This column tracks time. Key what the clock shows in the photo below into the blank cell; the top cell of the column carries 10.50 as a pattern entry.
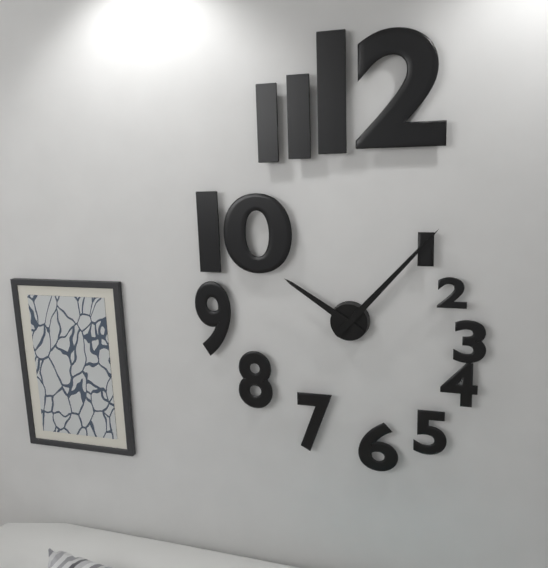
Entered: 10.07
